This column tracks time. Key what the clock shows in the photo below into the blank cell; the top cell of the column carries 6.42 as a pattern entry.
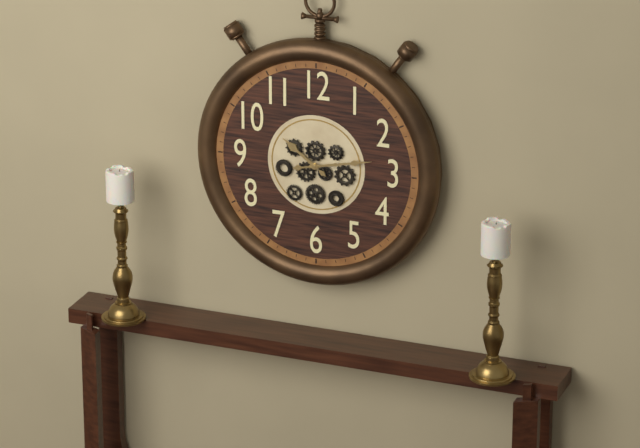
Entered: 10.13
